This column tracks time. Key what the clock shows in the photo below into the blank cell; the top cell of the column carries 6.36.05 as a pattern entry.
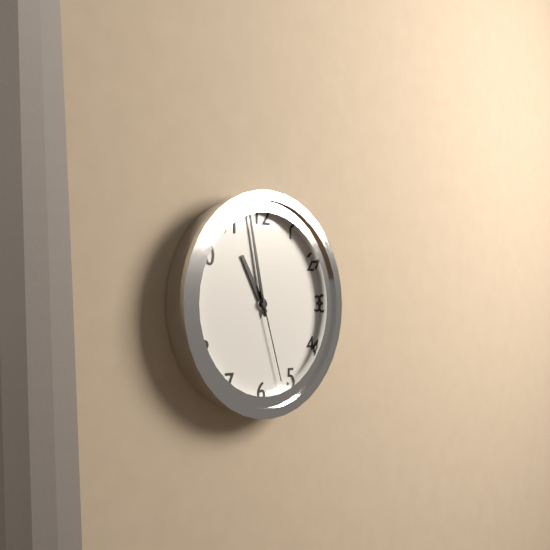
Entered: 10.58.27
